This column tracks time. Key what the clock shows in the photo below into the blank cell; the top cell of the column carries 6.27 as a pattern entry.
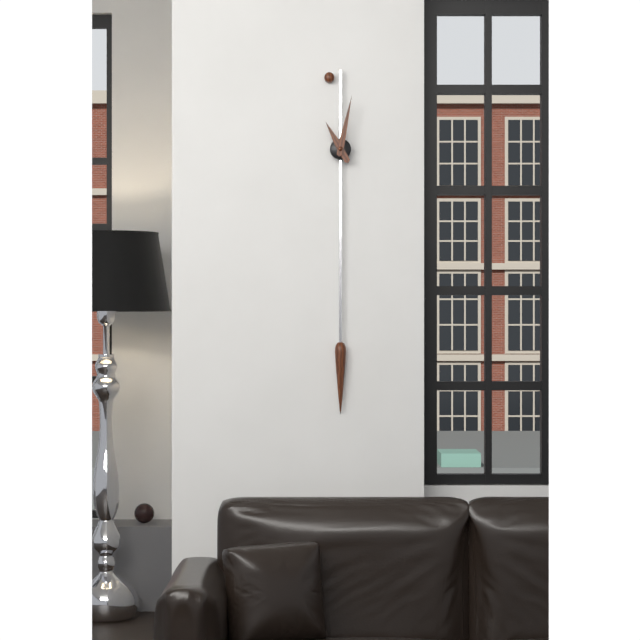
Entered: 11.02
